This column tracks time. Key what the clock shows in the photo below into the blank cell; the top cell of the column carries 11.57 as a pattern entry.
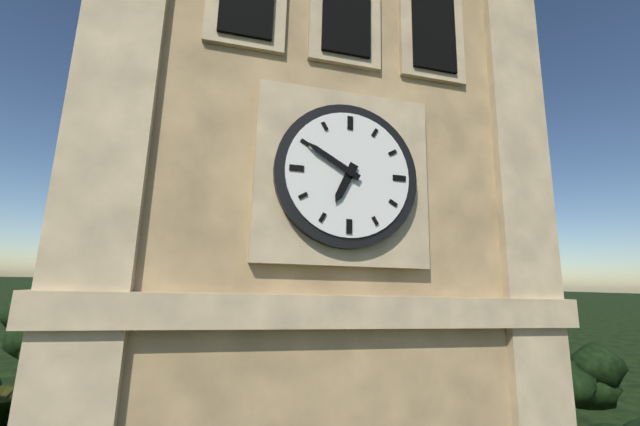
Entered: 6.50
